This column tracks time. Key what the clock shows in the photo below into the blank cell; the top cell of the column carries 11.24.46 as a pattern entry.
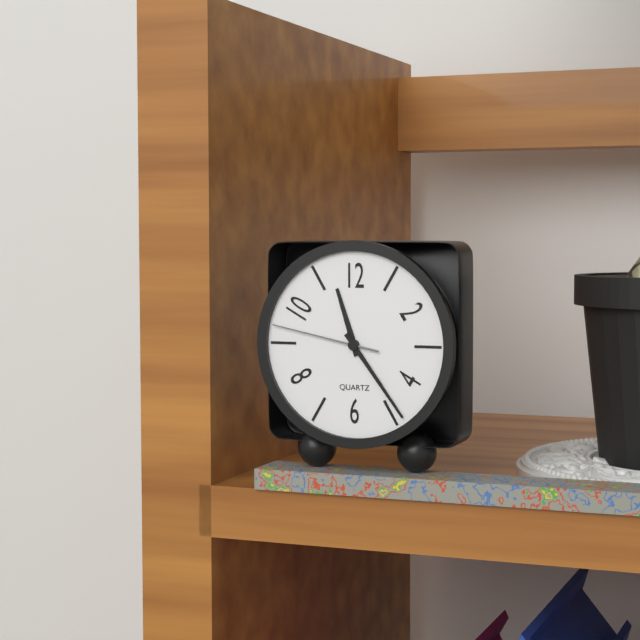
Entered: 11.24.47
